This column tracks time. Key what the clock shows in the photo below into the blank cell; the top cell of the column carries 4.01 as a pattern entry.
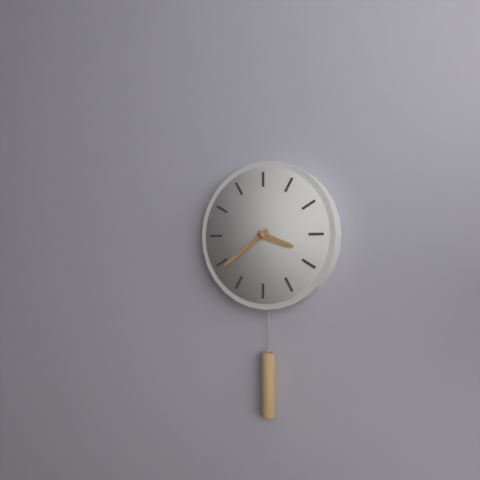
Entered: 3.39
